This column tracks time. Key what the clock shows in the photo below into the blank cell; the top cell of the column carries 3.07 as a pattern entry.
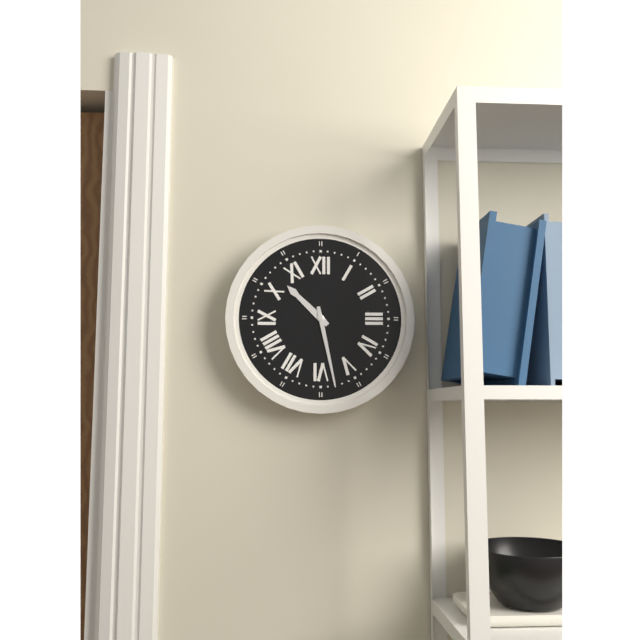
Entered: 10.28
